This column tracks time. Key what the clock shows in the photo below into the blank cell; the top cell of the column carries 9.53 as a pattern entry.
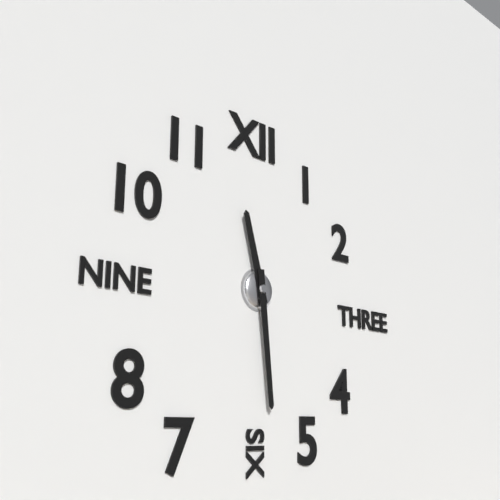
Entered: 11.29
